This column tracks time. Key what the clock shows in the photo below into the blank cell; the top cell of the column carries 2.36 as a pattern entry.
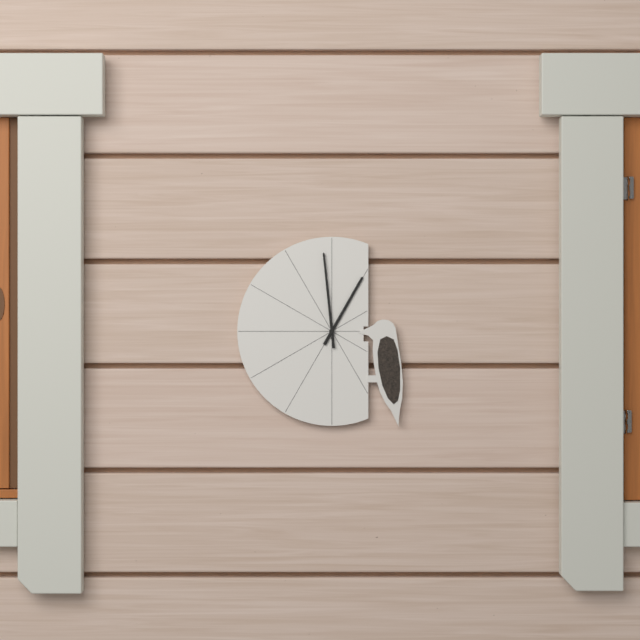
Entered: 12.59
